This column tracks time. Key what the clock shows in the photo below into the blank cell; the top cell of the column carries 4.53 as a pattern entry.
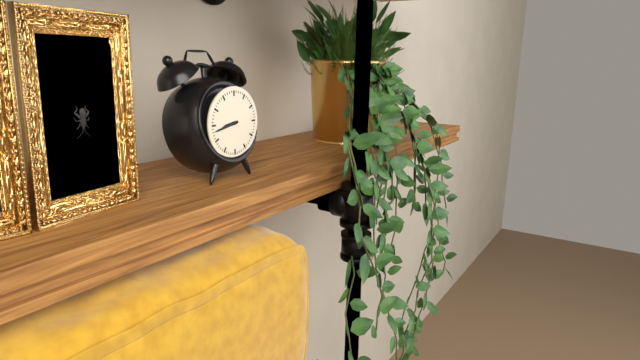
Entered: 8.43
